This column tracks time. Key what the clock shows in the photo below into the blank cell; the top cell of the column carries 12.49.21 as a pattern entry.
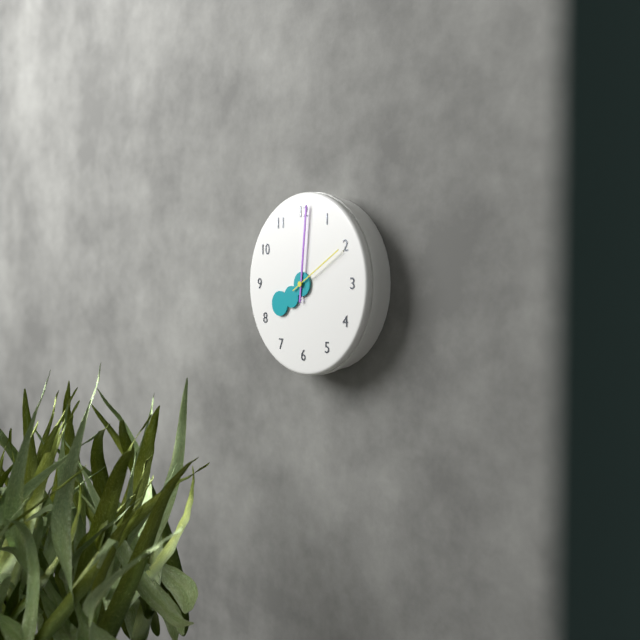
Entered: 8.01.10
